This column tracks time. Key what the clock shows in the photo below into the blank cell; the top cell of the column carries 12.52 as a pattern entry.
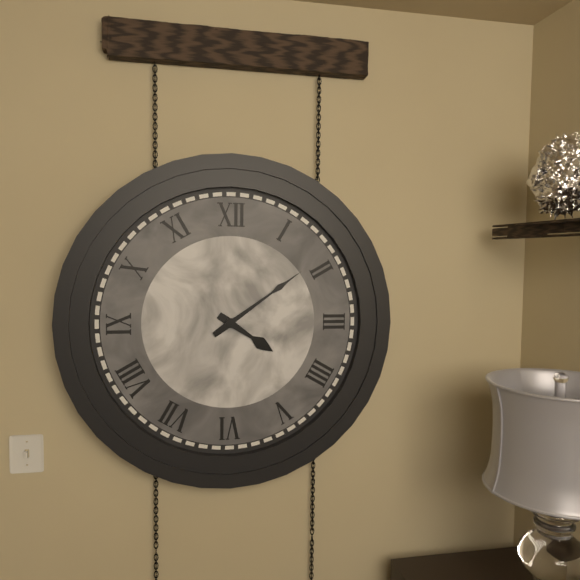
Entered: 4.09
